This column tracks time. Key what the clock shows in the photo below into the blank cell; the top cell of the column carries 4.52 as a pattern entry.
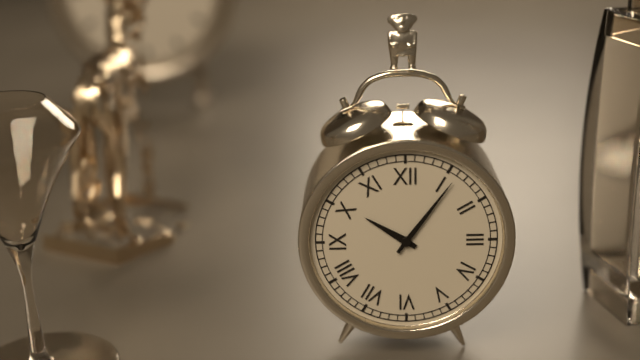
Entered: 10.06
